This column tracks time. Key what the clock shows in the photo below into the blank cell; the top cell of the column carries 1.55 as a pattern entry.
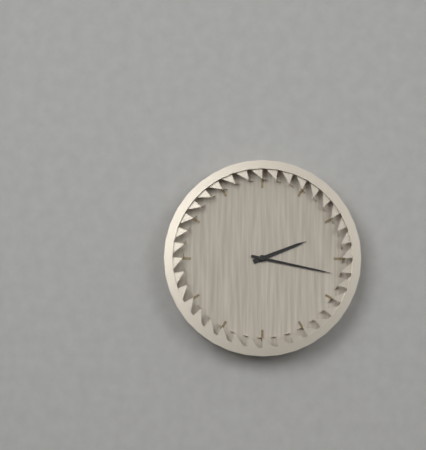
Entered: 2.17
